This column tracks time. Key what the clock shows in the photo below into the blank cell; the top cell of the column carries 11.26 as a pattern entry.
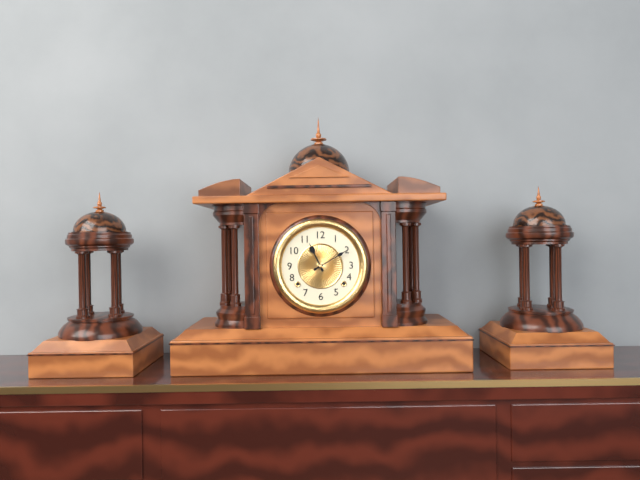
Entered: 11.10
